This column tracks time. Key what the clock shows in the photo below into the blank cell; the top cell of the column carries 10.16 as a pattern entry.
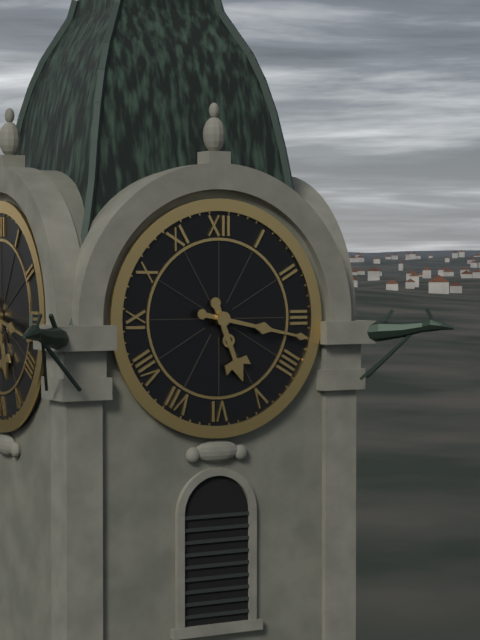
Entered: 5.17
